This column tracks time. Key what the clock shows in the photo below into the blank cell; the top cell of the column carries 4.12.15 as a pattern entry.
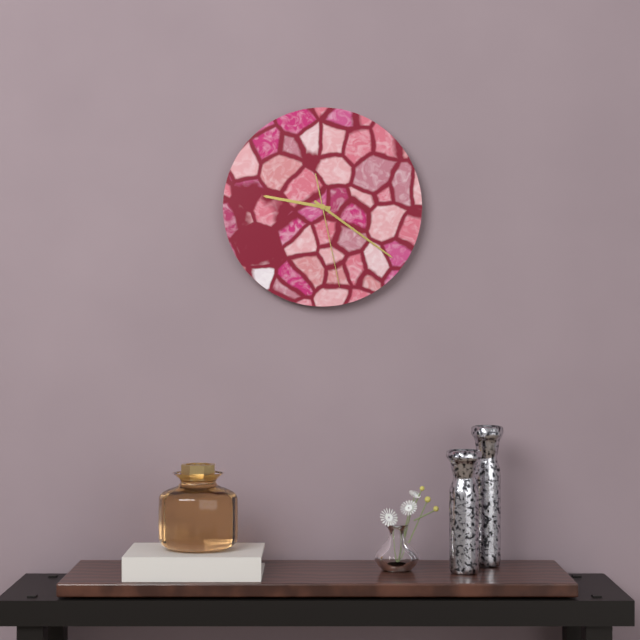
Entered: 9.21.28
